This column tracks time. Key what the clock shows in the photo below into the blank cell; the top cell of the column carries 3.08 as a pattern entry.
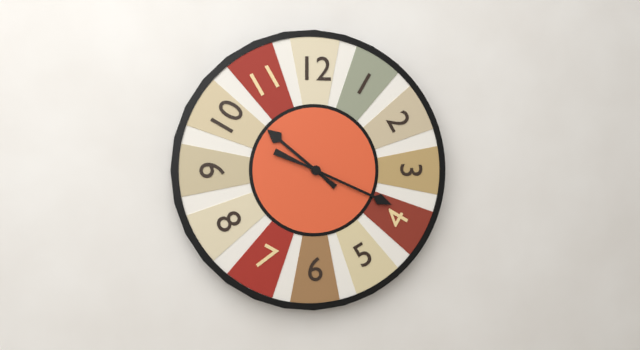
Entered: 10.19
